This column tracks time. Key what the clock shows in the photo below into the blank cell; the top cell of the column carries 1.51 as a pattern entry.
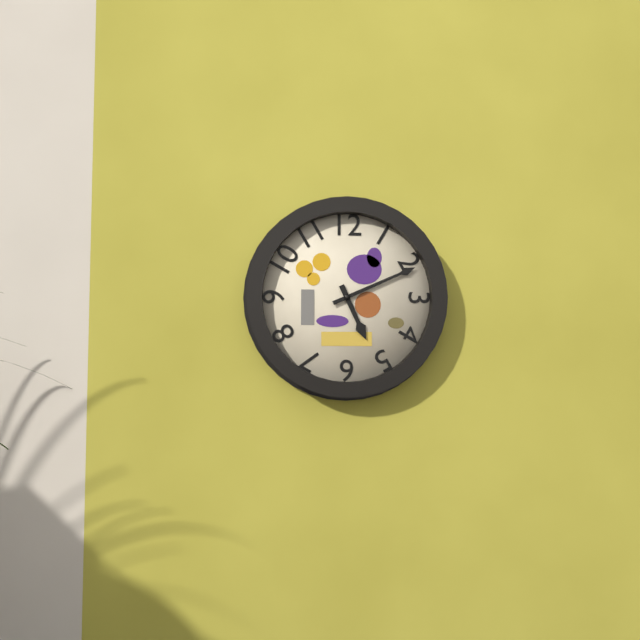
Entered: 5.11
